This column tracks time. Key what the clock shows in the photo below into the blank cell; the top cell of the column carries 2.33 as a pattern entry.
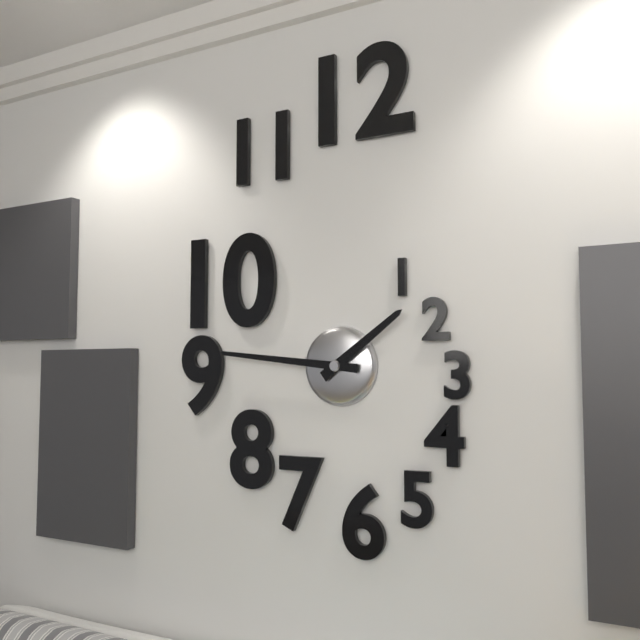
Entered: 1.46
